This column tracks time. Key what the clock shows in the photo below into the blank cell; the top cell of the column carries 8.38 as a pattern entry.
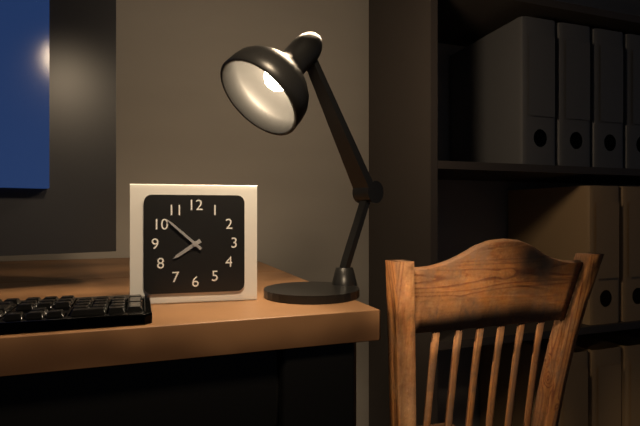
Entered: 7.52
